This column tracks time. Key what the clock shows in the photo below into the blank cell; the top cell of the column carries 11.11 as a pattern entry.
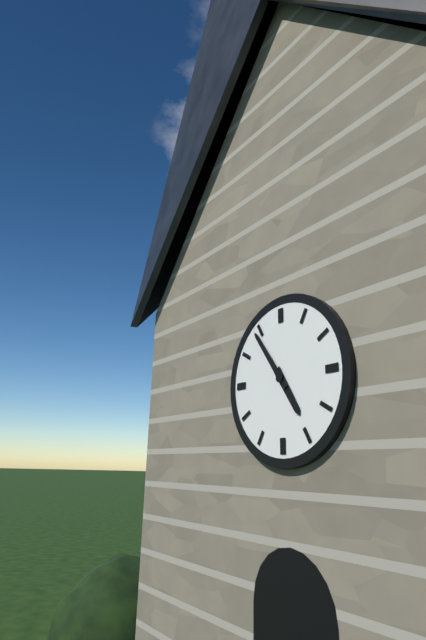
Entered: 4.54
